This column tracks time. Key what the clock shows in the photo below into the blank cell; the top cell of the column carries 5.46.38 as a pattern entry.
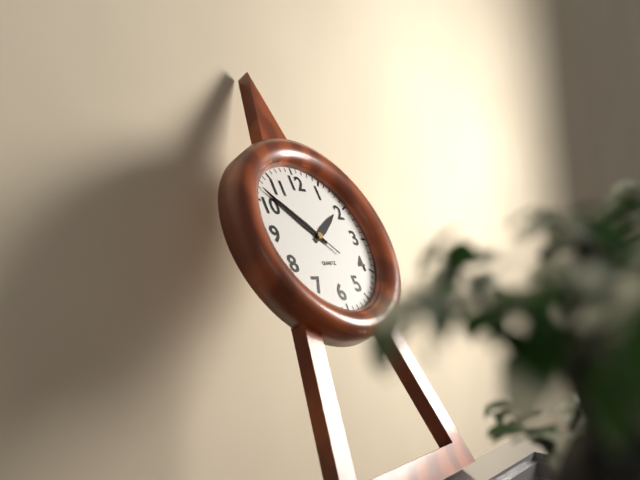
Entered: 1.52.52
